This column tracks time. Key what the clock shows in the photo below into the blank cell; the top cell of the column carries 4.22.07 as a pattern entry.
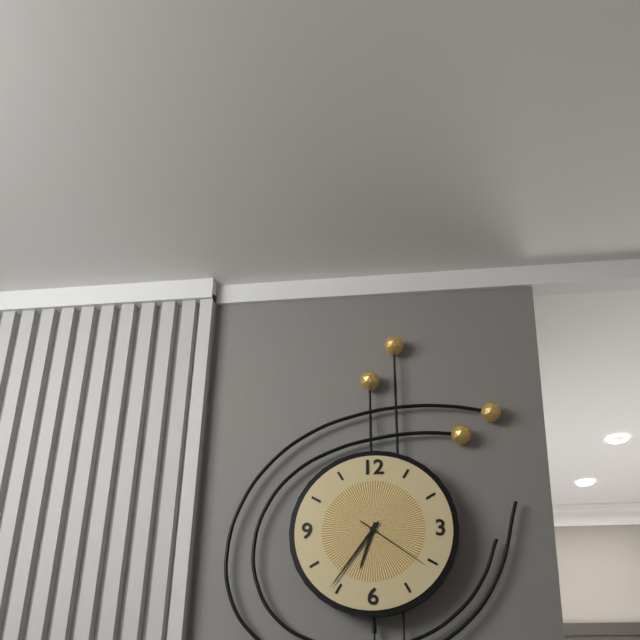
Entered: 6.36.21
